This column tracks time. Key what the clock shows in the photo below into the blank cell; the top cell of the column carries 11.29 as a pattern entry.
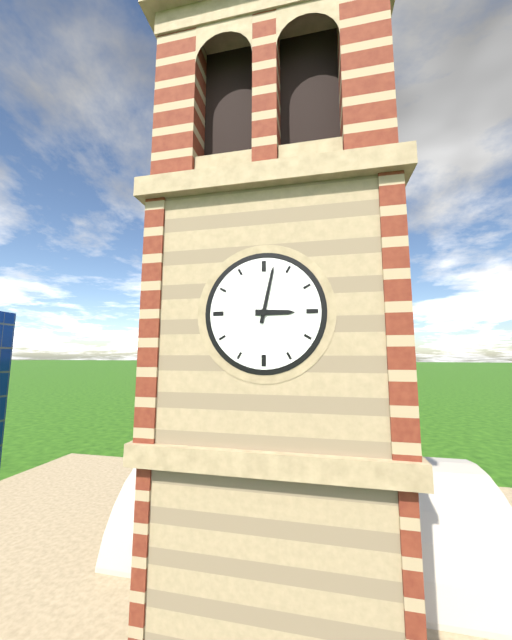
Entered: 3.02
